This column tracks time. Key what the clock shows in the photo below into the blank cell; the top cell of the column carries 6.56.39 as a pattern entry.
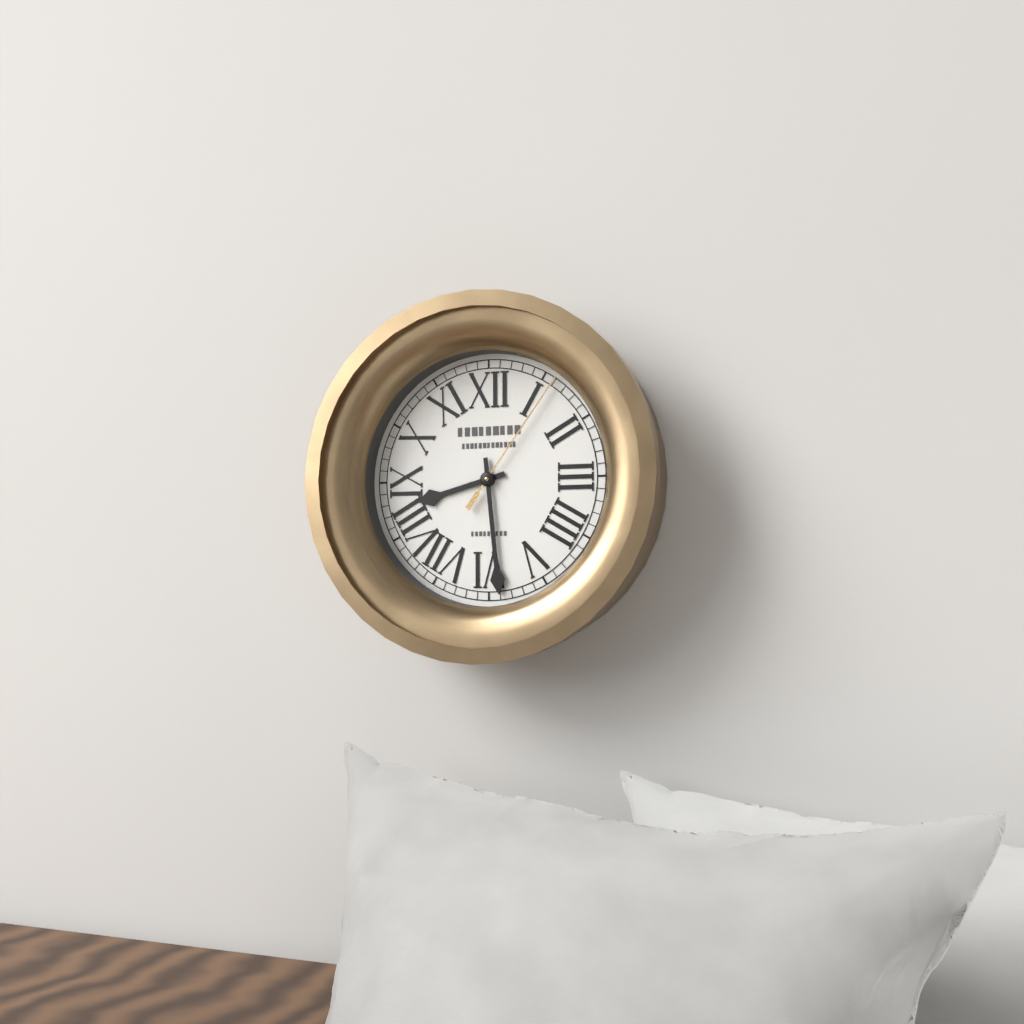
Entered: 8.29.06
